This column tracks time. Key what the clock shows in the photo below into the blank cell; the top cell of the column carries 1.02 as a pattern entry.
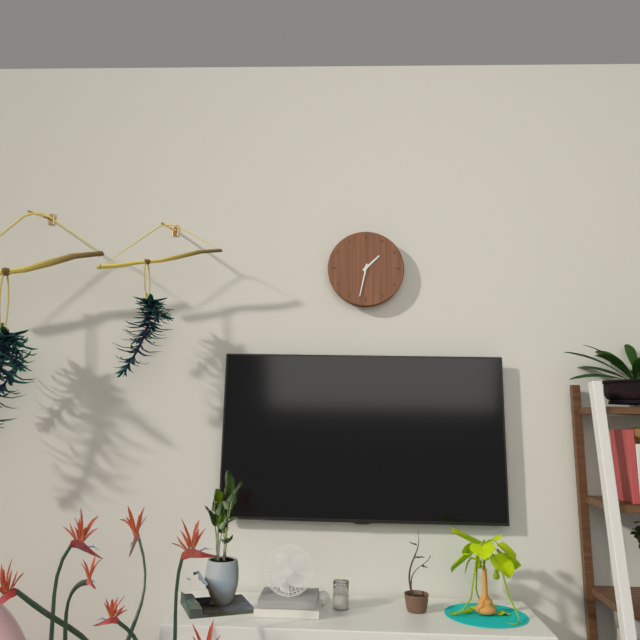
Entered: 1.32
